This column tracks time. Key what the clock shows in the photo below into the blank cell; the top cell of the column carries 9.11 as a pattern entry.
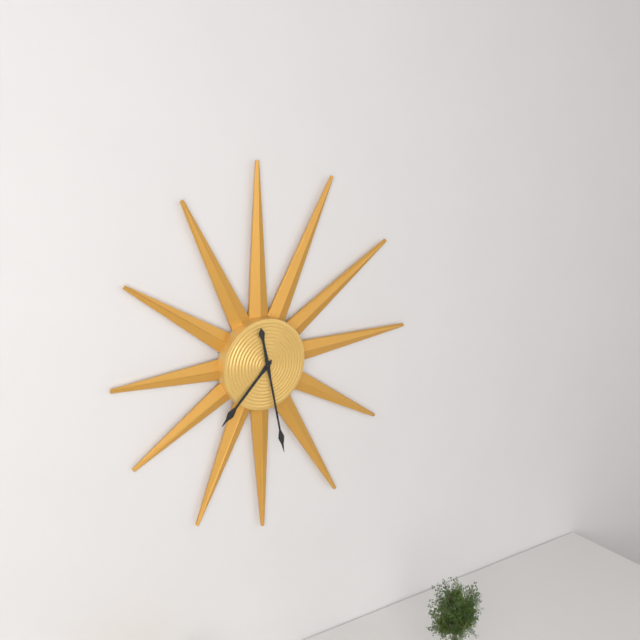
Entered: 7.28
